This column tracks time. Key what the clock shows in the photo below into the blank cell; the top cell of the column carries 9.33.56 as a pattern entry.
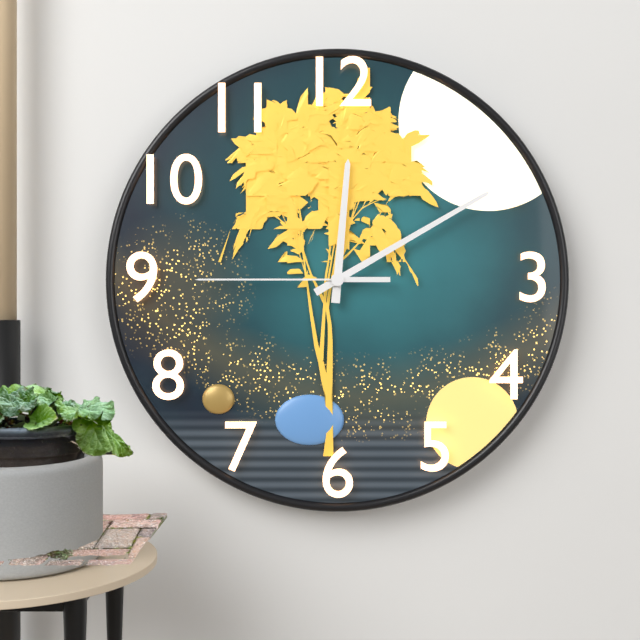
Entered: 12.10.45
